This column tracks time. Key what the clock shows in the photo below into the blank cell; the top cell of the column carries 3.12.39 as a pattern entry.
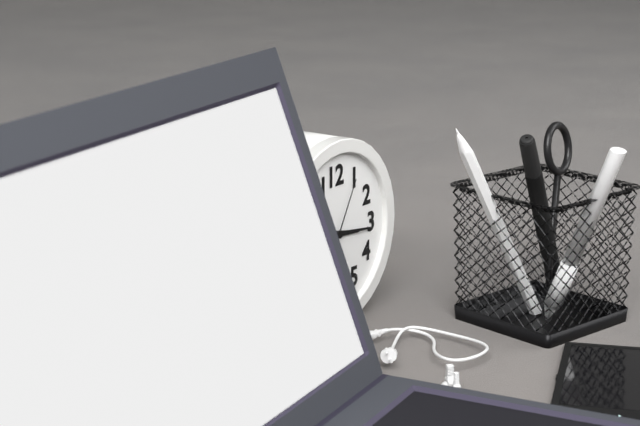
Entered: 3.16.05
